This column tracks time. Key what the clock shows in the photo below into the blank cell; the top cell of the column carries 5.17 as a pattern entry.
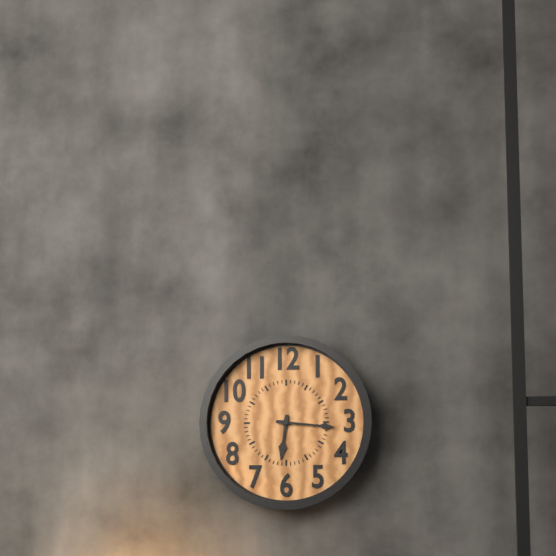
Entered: 6.16
